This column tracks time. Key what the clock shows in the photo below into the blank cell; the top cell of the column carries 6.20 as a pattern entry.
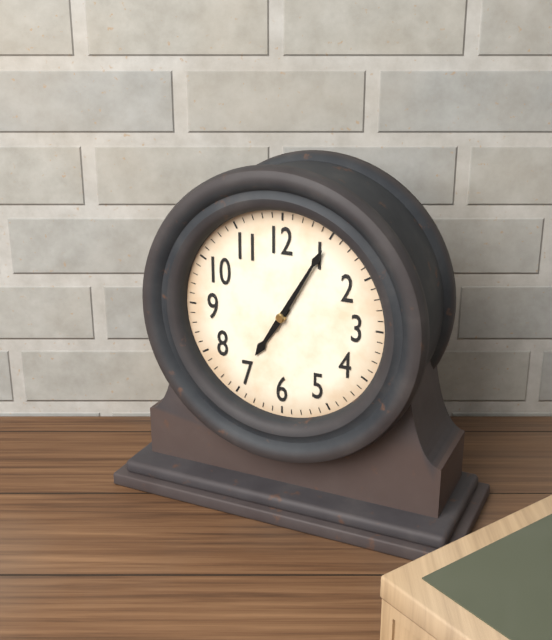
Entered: 7.05
